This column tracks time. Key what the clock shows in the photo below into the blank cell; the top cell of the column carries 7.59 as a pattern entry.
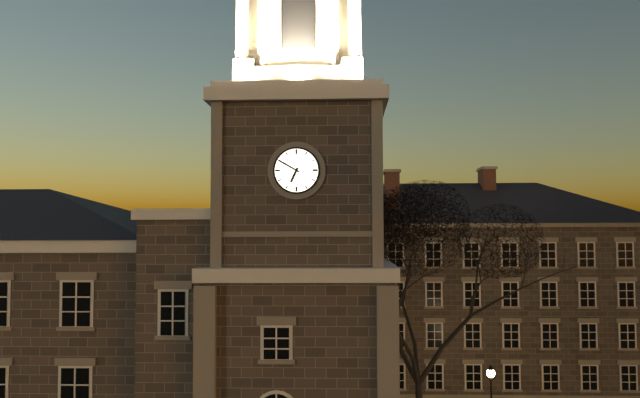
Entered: 6.50
